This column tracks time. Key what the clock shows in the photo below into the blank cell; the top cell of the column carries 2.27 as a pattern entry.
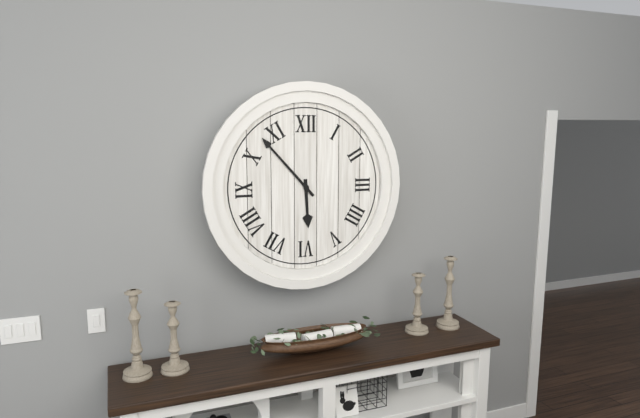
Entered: 5.53
